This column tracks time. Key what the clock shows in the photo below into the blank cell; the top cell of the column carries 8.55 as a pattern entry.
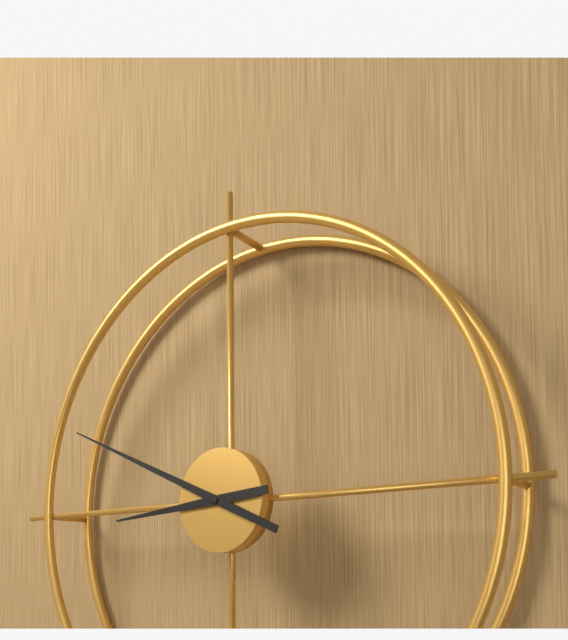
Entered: 8.49
